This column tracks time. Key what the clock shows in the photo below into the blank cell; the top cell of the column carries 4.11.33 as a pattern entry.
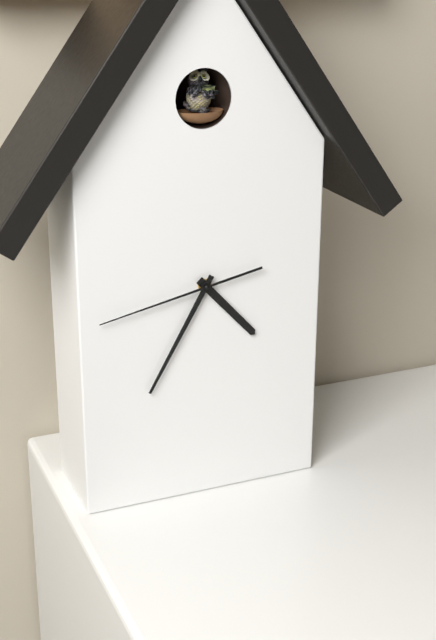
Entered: 4.35.43
